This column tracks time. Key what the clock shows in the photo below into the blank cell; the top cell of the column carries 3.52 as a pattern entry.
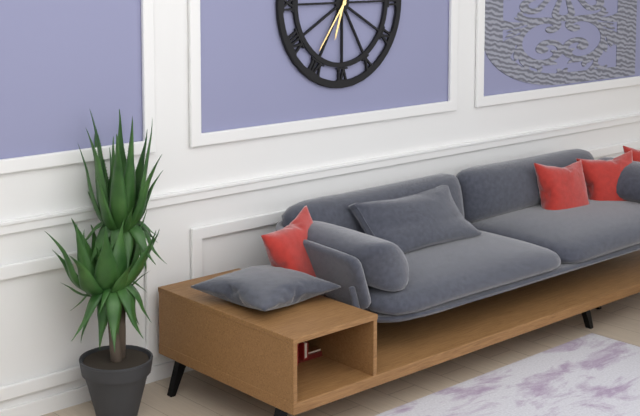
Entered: 6.36
